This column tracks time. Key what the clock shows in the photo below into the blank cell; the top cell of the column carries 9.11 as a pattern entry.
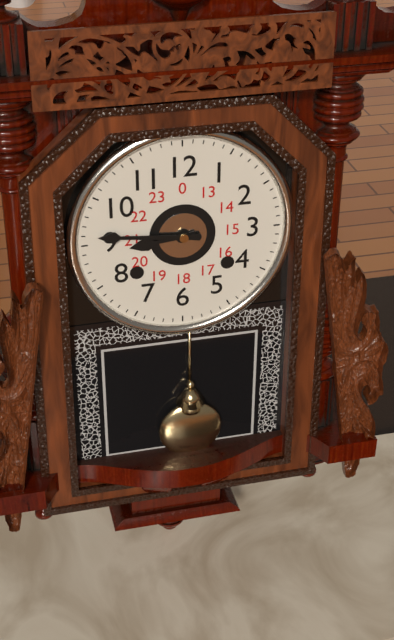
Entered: 8.46
